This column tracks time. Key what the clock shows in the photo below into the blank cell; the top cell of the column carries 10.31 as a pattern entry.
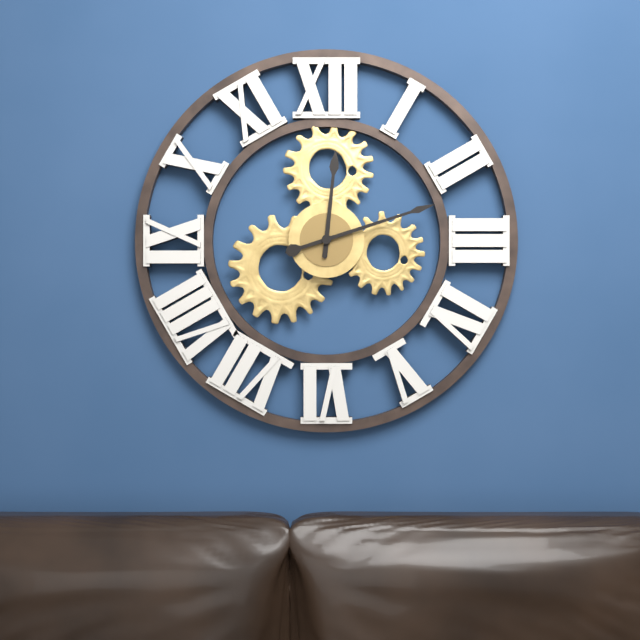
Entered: 12.12
